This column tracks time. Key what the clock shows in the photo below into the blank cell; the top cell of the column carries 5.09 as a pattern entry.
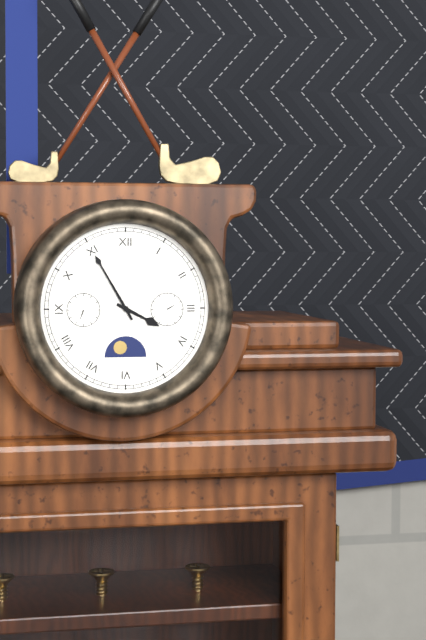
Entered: 3.55
